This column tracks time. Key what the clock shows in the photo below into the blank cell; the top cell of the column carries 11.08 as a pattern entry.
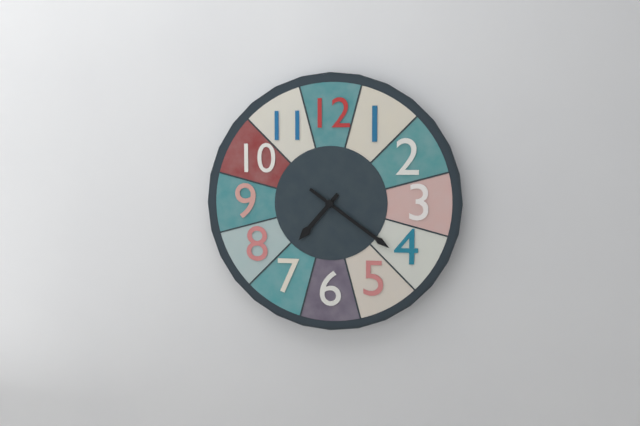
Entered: 7.21
